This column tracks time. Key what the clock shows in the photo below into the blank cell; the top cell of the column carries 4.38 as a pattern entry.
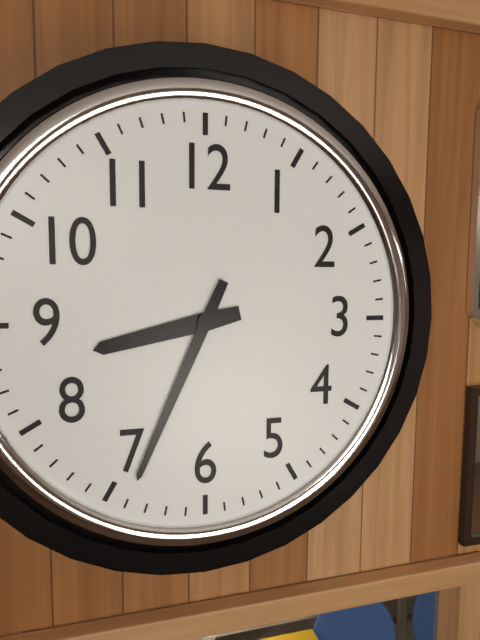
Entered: 8.34
